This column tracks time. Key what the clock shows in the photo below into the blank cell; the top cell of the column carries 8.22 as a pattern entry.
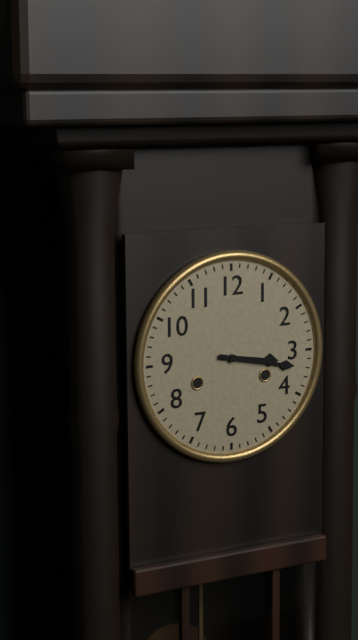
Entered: 3.17
